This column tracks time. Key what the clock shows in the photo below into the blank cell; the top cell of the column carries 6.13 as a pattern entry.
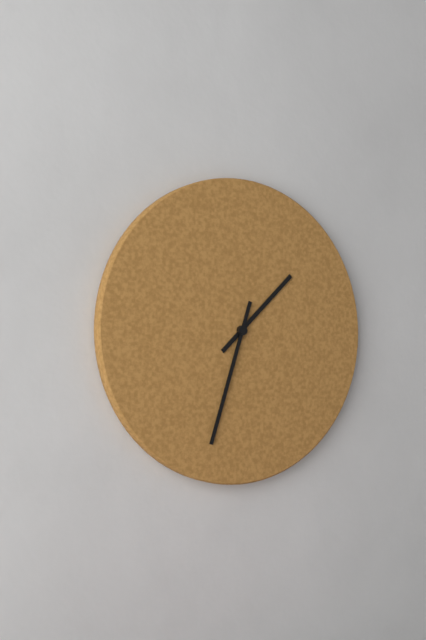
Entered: 1.33
